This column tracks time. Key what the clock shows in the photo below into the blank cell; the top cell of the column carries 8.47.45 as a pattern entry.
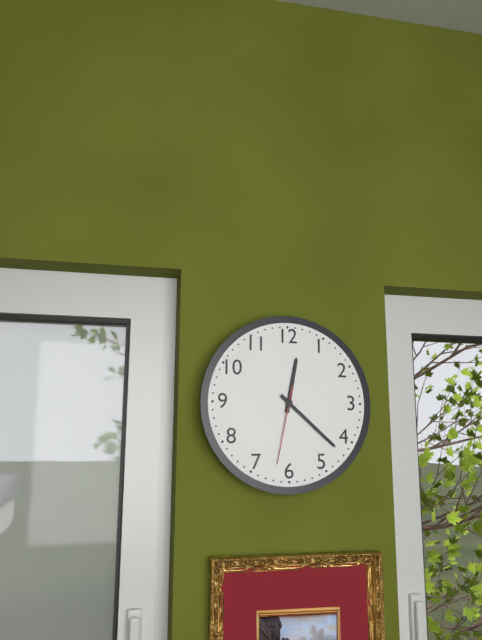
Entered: 12.22.32
